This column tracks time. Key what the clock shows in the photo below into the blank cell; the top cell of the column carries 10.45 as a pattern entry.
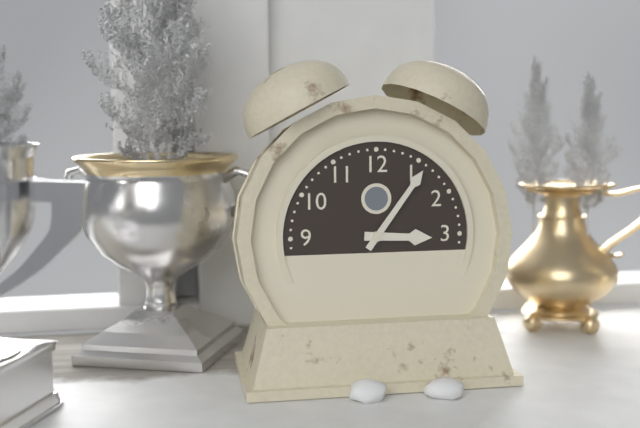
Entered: 3.06
